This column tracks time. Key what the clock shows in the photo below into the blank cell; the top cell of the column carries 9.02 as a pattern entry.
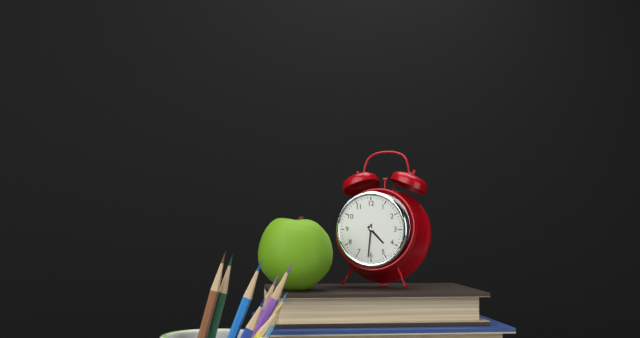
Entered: 4.31
